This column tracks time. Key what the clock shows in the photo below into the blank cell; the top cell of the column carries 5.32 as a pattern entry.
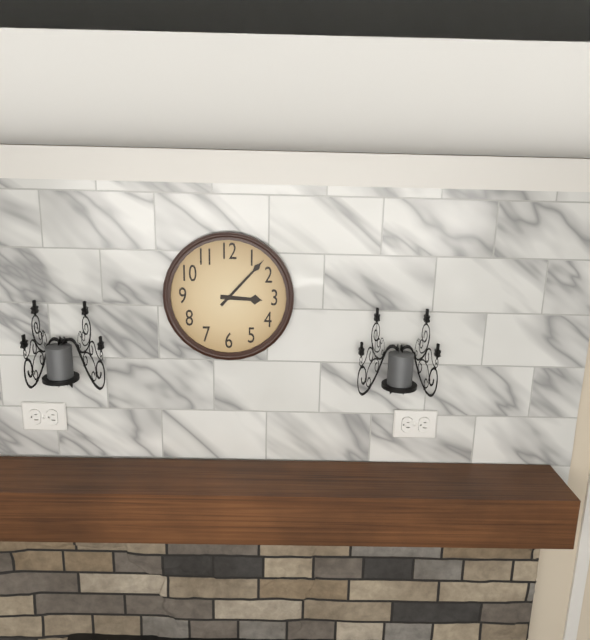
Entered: 3.07
